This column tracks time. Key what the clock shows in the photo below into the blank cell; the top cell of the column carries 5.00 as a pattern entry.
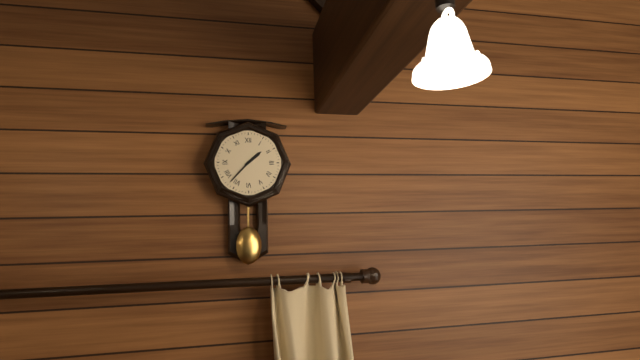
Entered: 1.37
